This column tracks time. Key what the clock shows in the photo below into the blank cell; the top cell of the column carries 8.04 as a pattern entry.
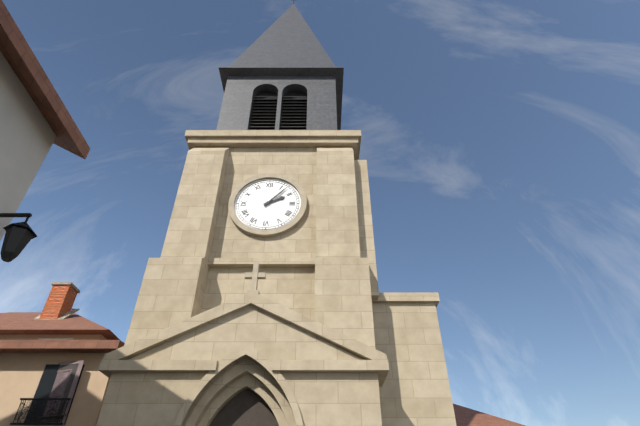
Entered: 2.07
